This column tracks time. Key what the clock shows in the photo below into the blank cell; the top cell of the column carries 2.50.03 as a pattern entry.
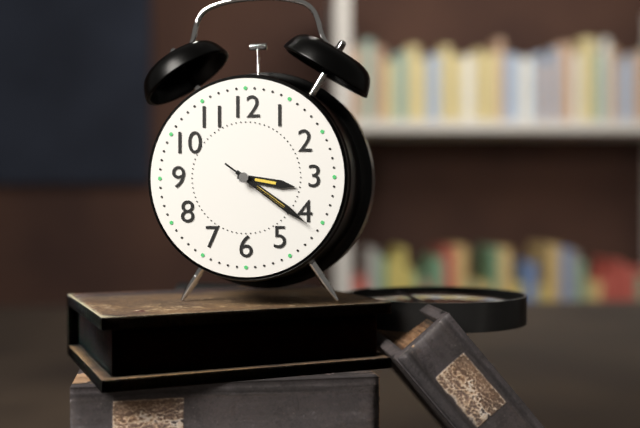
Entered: 3.21.21
